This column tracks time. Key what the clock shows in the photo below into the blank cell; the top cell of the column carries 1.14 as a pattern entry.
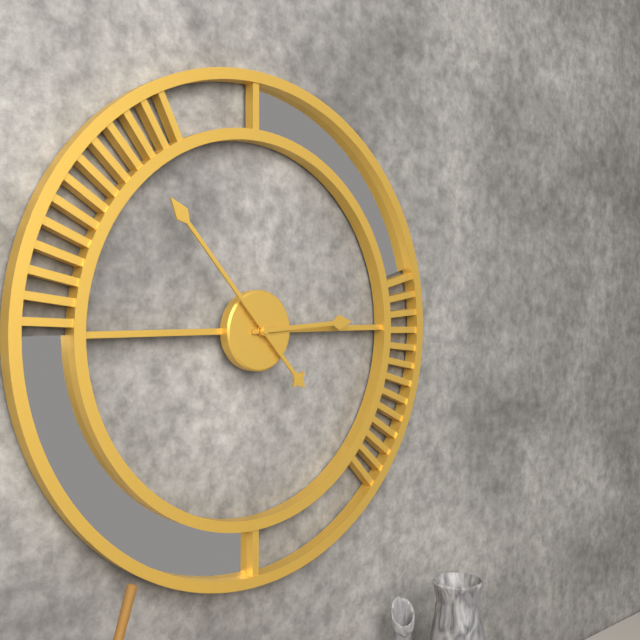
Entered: 2.53
